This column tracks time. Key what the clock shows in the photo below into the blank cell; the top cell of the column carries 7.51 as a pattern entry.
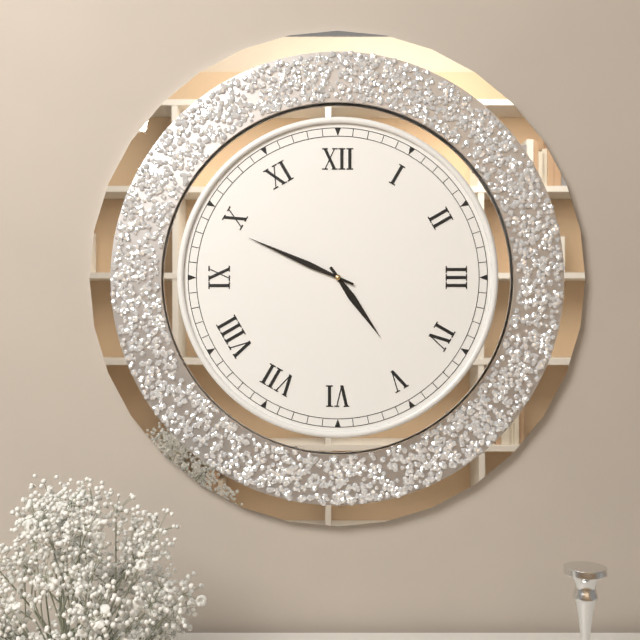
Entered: 4.49
